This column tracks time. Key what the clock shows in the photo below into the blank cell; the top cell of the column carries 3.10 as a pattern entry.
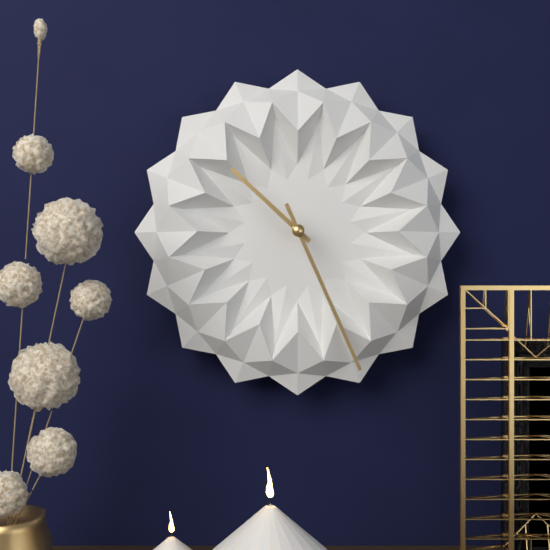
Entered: 10.26
